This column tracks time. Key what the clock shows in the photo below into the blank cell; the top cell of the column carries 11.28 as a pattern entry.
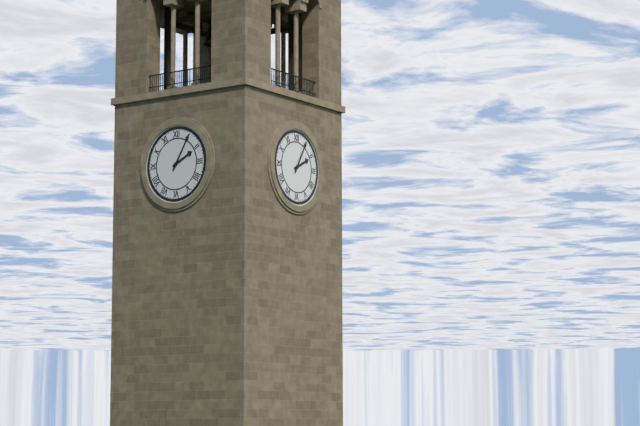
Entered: 2.05
